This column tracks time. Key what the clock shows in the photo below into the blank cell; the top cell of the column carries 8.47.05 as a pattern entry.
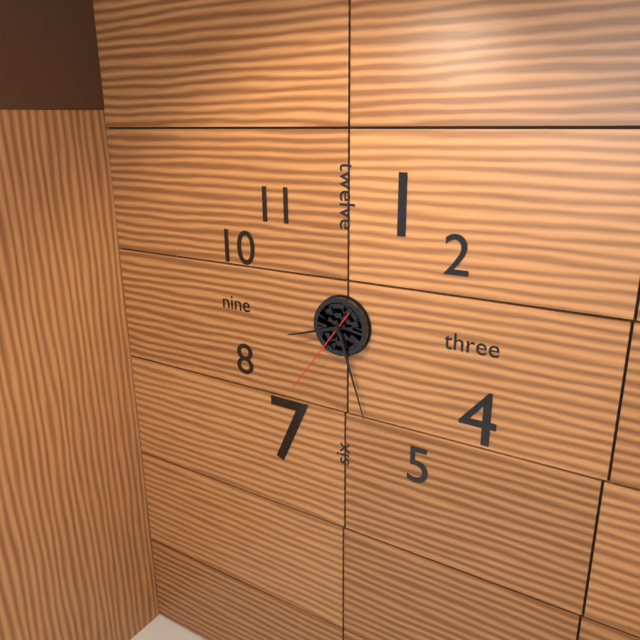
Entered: 8.27.36
